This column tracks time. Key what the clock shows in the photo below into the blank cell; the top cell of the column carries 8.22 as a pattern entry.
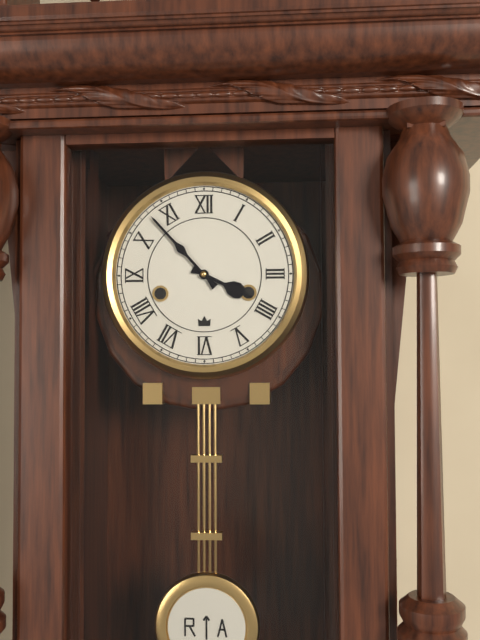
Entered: 3.53
